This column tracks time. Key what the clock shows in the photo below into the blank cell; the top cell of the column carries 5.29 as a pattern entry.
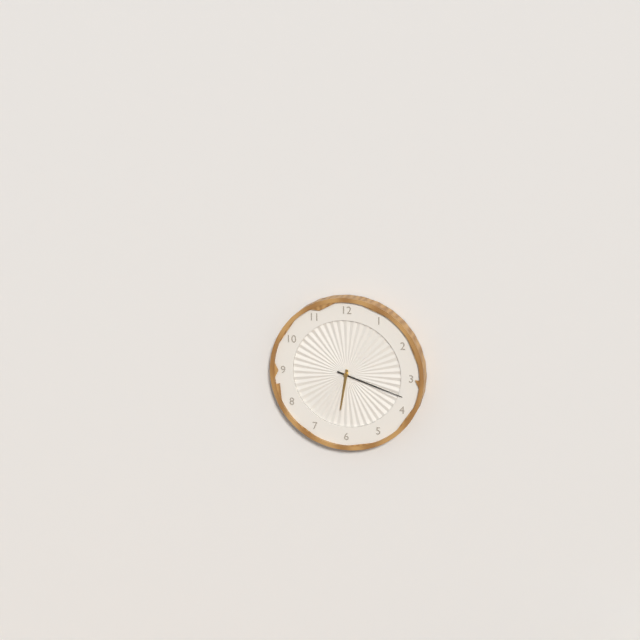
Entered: 6.18
